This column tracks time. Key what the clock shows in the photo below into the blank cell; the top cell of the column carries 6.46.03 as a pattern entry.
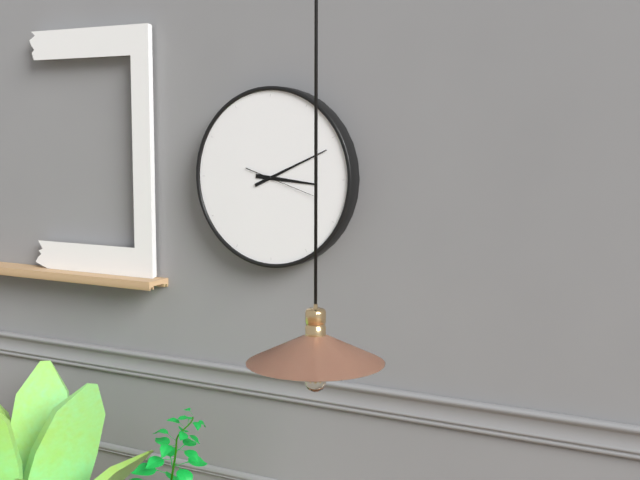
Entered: 3.11.18
